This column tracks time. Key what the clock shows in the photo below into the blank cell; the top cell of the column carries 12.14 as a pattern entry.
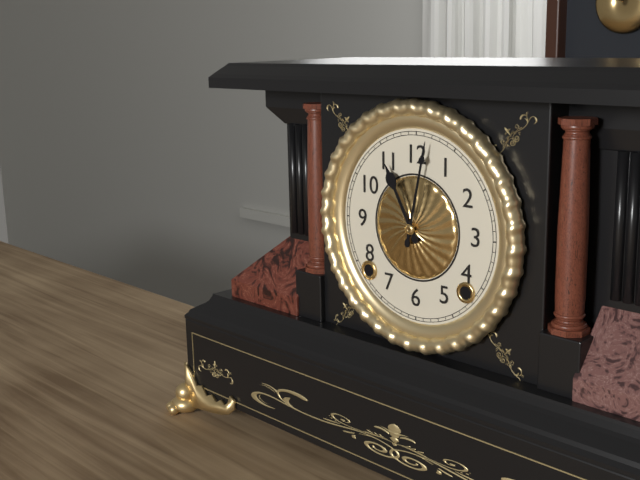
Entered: 11.02
